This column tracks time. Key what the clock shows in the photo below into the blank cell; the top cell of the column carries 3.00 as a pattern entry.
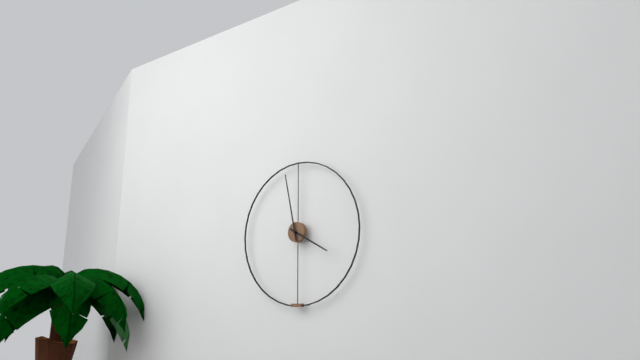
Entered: 3.58
